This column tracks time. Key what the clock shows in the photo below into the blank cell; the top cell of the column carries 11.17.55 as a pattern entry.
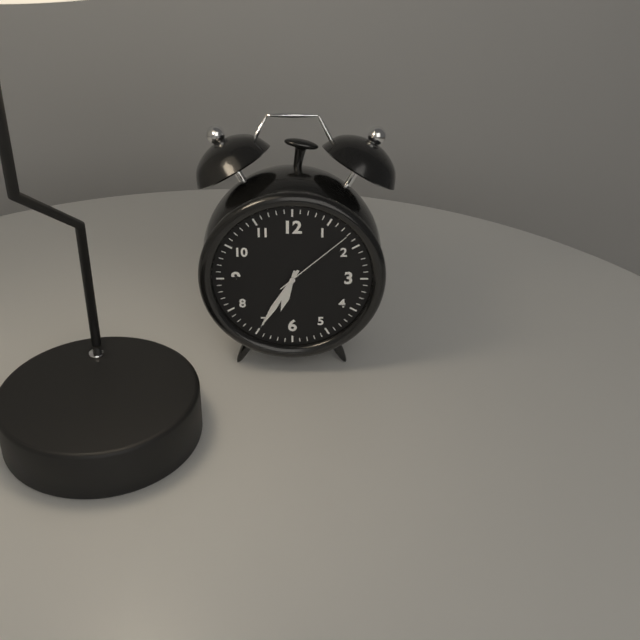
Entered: 6.35.08
